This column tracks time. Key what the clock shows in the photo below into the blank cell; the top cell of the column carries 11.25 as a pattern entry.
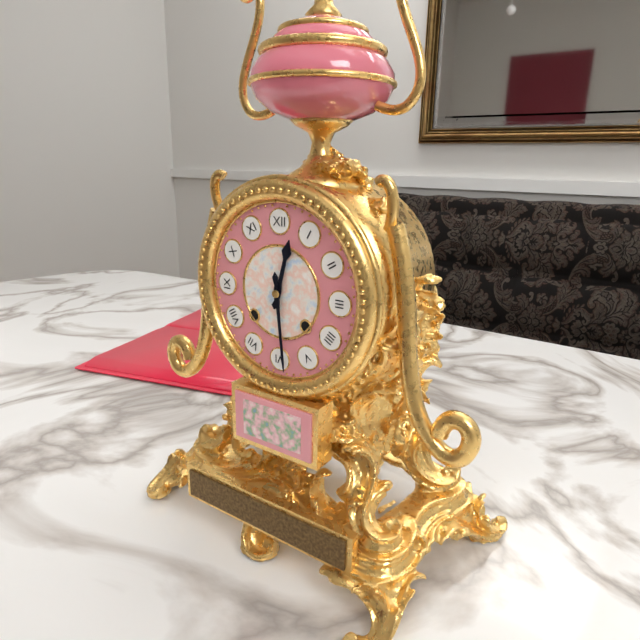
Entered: 12.29
